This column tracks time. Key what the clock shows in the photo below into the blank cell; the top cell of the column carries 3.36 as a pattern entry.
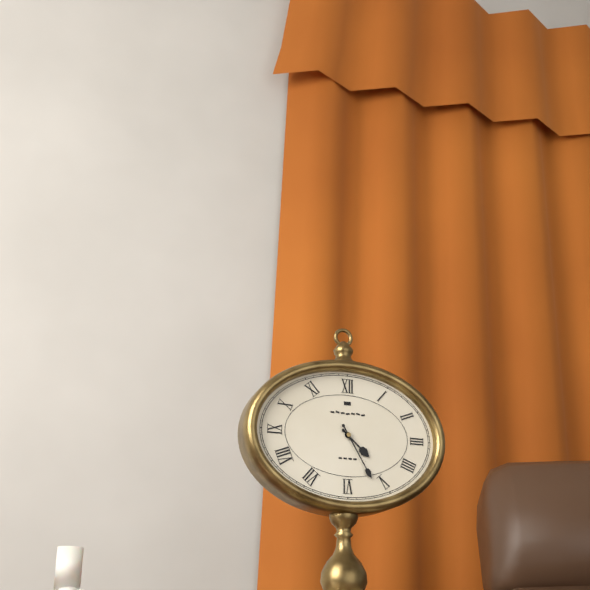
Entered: 4.25
